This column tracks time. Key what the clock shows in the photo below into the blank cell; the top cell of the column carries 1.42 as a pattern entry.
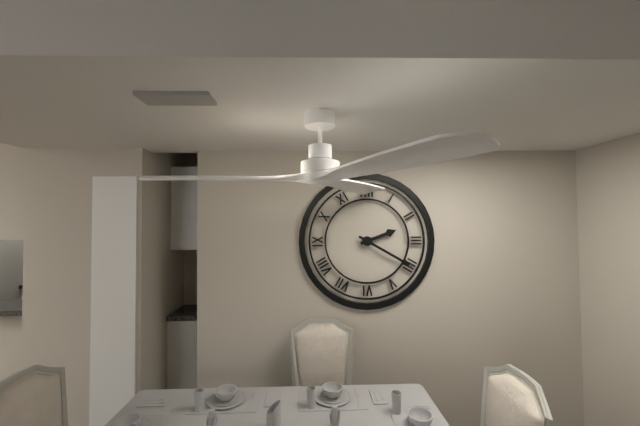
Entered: 2.20
